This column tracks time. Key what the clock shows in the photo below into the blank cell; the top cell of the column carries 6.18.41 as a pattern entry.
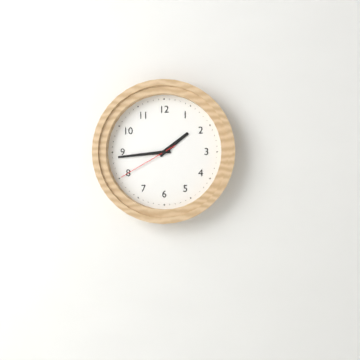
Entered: 1.44.40
